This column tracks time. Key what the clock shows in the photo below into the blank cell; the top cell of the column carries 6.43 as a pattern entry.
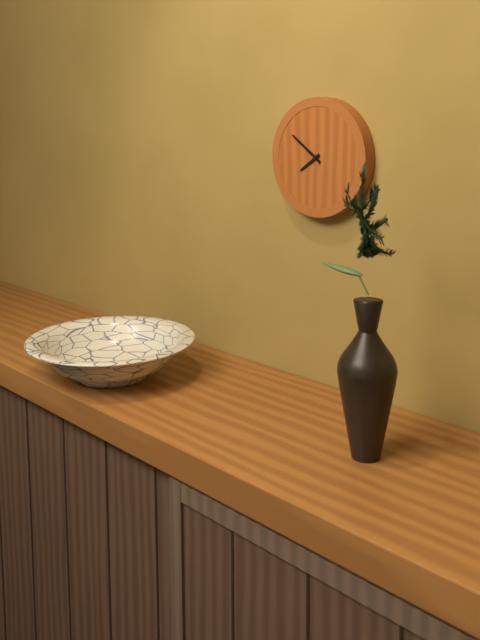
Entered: 7.51
